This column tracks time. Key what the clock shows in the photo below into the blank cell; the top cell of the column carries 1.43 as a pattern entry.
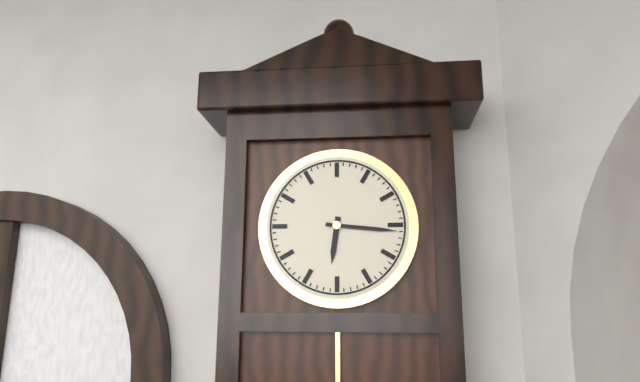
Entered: 6.16
